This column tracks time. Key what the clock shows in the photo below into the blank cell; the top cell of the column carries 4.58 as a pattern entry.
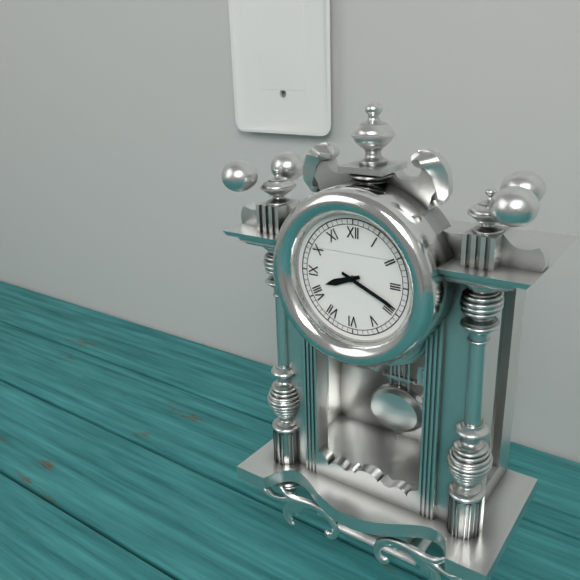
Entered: 8.19
